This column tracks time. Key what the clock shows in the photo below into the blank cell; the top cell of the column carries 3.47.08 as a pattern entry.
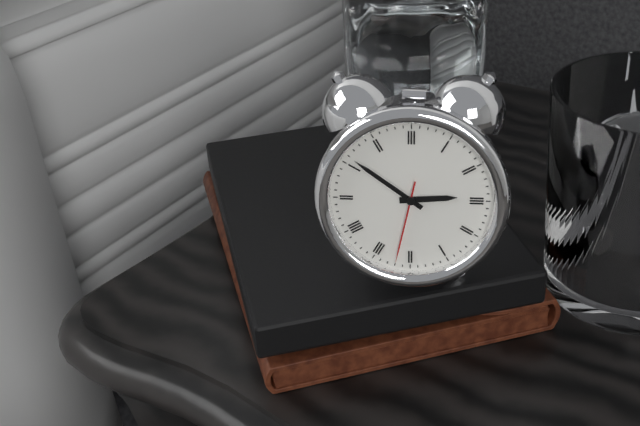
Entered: 2.51.32
